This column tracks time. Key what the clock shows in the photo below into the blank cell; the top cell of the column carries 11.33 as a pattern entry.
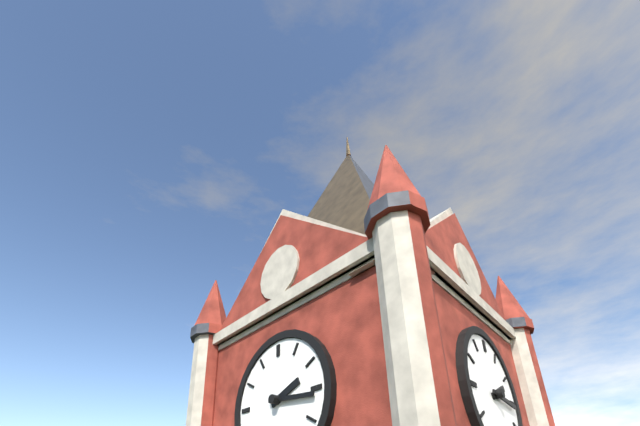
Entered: 2.16
